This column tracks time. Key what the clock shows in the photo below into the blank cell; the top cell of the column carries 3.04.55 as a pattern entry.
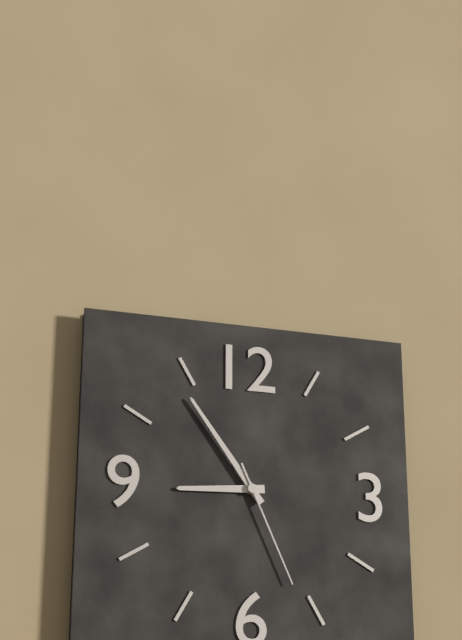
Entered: 8.54.26
